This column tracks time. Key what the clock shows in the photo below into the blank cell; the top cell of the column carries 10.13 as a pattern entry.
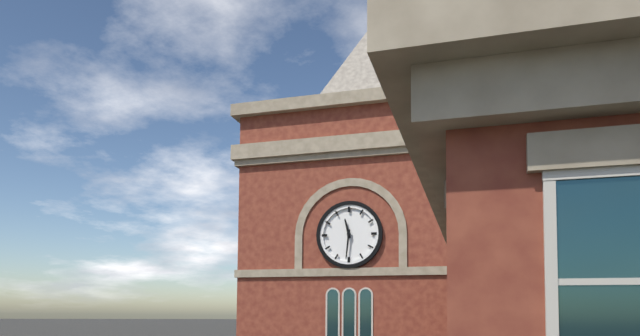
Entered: 11.31
